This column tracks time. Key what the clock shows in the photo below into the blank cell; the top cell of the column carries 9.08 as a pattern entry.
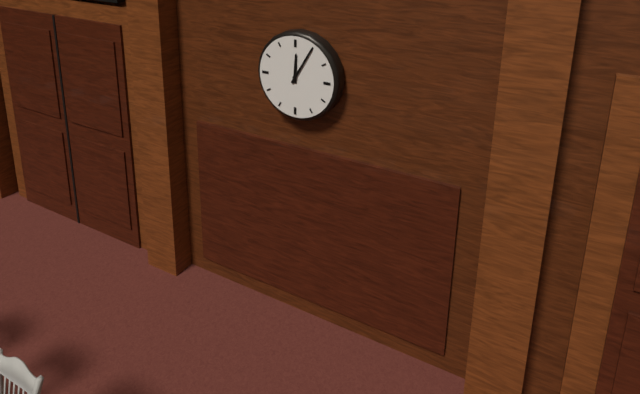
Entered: 12.05
